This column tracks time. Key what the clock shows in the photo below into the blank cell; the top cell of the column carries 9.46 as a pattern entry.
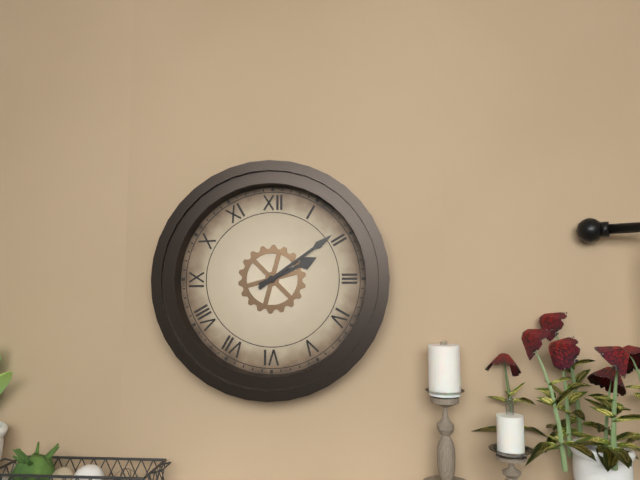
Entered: 2.09
